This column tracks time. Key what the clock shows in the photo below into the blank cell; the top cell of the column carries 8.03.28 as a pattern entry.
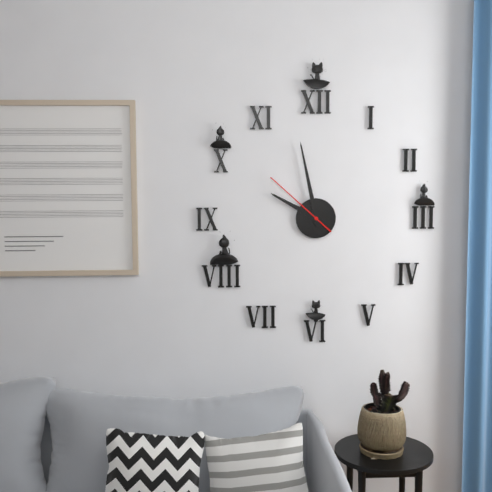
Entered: 9.58.52
